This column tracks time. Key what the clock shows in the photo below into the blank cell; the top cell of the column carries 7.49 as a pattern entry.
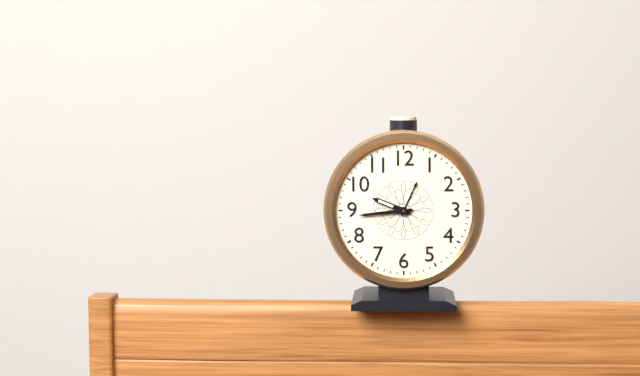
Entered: 9.44
